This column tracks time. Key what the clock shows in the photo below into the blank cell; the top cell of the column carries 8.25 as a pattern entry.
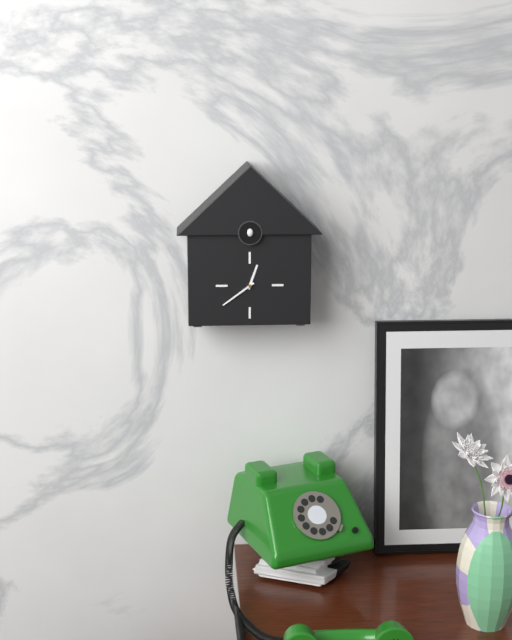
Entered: 12.39
